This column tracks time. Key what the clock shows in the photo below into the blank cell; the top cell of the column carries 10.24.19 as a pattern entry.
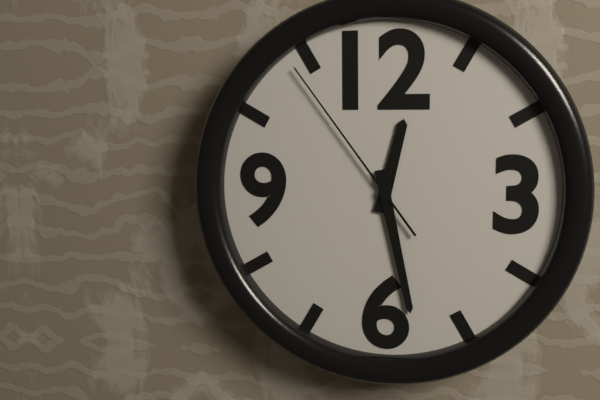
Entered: 12.28.54
